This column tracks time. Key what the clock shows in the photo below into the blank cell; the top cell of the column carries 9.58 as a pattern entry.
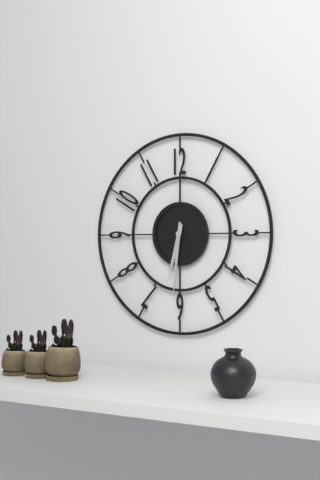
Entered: 6.31
